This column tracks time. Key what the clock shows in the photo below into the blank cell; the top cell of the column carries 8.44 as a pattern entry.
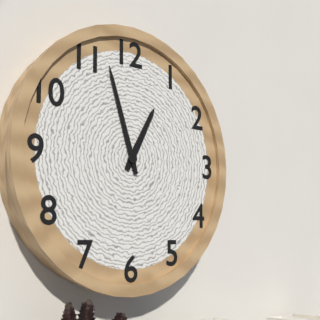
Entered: 12.57
